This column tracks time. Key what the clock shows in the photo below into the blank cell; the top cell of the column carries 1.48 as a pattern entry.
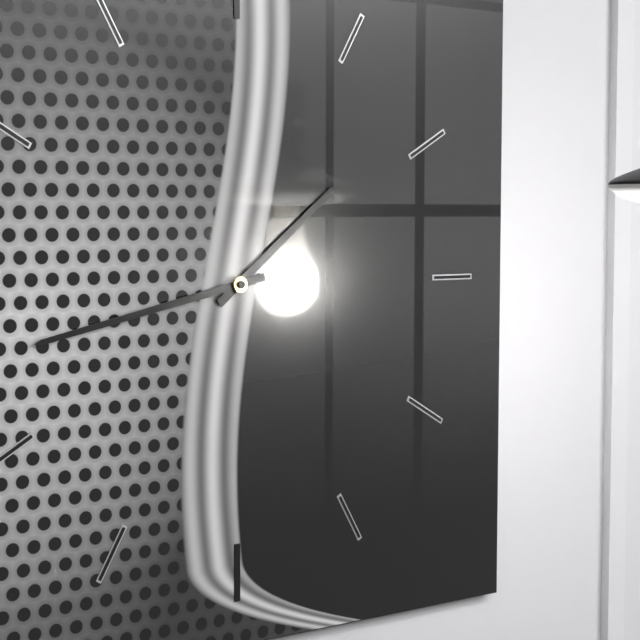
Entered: 1.43
